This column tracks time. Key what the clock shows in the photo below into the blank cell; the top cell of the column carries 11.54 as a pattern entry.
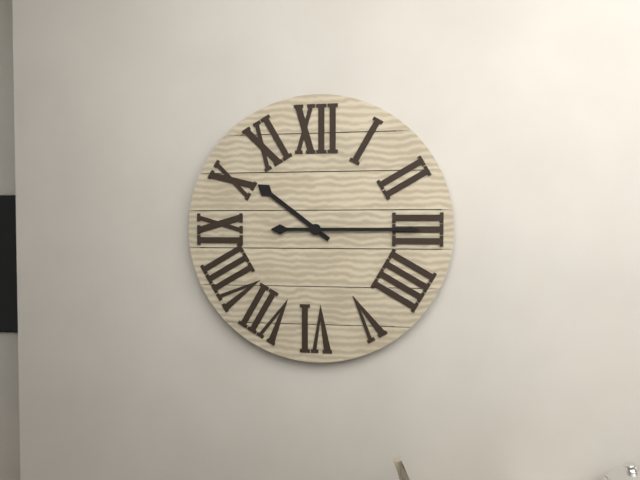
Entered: 10.15
